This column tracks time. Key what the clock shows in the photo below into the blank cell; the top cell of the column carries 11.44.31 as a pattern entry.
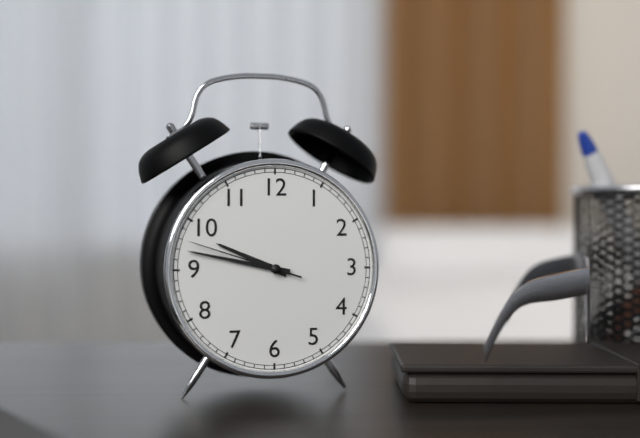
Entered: 9.47.48
